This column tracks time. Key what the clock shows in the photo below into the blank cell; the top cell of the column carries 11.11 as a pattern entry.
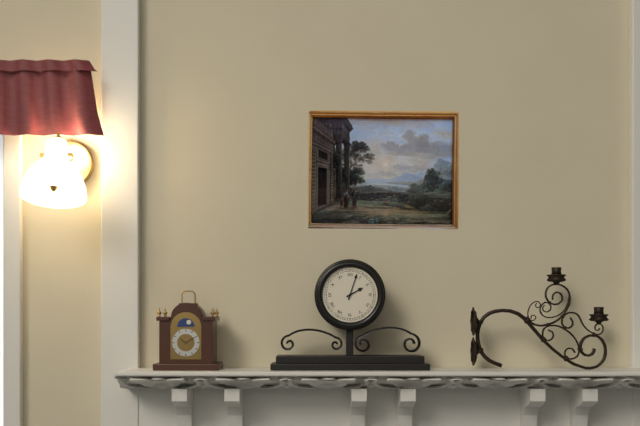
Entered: 2.03
